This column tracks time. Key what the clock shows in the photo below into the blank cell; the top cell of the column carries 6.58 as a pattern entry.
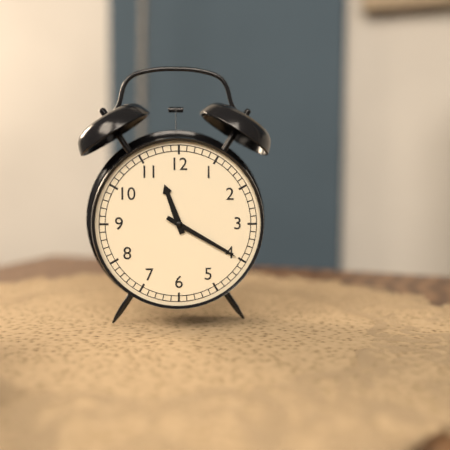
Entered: 11.20
